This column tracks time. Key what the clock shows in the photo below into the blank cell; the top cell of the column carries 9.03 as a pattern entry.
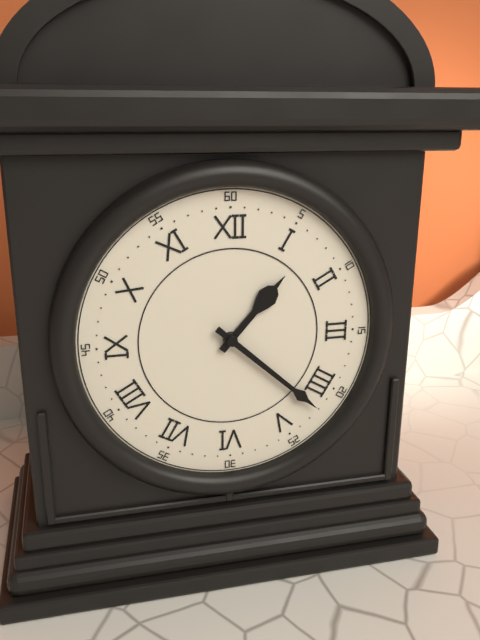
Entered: 1.22
